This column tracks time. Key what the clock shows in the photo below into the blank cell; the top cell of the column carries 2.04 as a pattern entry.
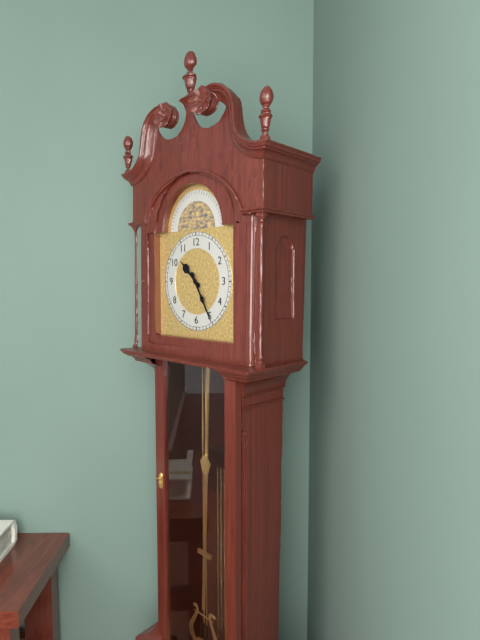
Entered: 10.25
